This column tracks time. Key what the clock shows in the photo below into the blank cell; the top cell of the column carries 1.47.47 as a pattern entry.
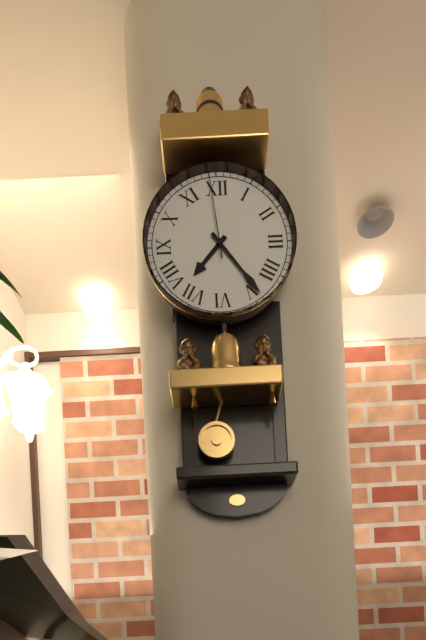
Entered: 7.24.59
